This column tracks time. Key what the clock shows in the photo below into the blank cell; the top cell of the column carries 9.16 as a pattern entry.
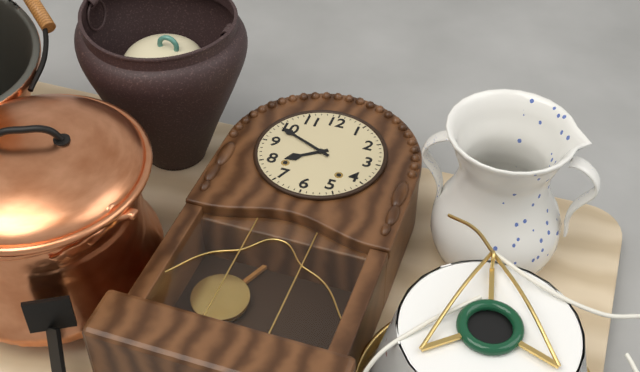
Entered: 7.49
